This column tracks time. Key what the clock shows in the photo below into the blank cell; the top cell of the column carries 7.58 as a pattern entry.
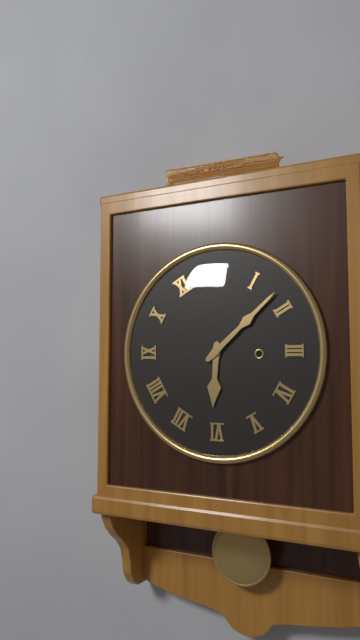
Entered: 6.08
